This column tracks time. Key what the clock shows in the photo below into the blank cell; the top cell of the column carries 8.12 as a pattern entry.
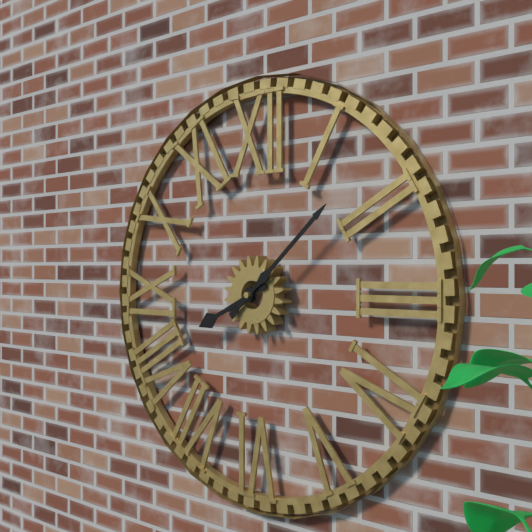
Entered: 8.08
